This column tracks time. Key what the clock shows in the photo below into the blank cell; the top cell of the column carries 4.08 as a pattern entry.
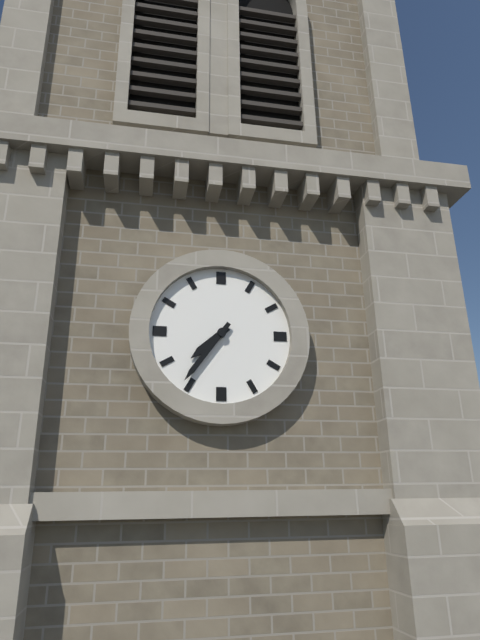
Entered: 7.36
